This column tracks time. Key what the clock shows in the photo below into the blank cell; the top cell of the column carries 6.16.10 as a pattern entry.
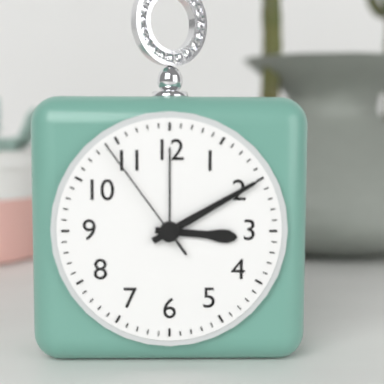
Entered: 3.10.54
